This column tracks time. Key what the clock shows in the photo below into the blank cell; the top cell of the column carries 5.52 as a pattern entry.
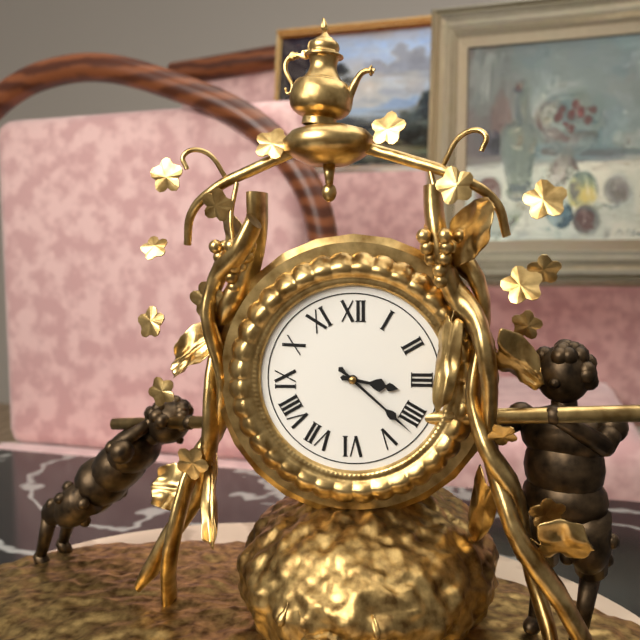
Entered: 3.22
